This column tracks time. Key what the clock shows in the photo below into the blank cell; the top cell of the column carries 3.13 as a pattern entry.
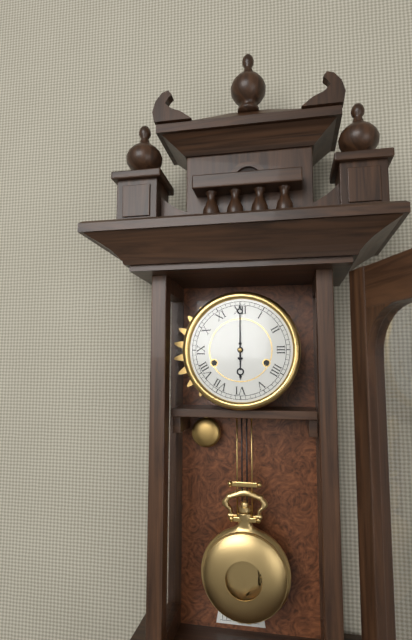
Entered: 6.00
